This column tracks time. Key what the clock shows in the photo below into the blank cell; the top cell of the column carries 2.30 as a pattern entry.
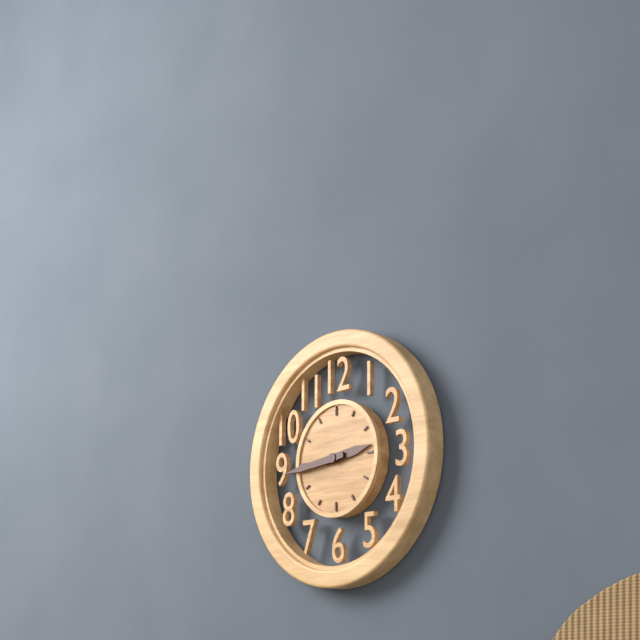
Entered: 2.44
